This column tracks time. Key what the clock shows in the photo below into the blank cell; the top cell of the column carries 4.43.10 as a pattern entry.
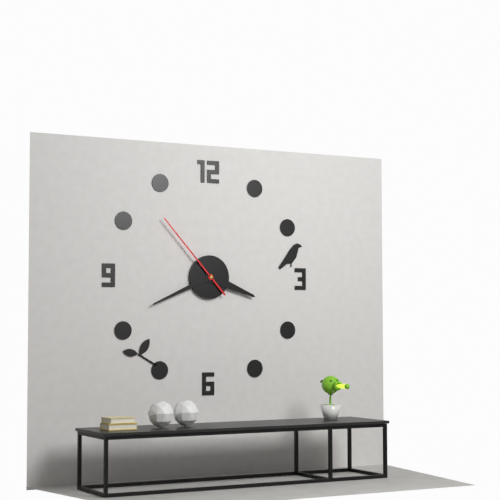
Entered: 3.41.53
